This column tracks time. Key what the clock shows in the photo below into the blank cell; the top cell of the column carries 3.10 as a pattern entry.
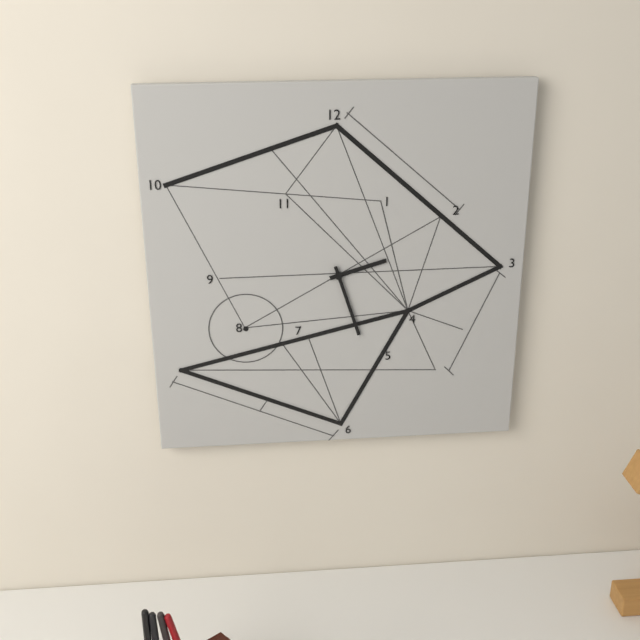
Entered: 2.27
